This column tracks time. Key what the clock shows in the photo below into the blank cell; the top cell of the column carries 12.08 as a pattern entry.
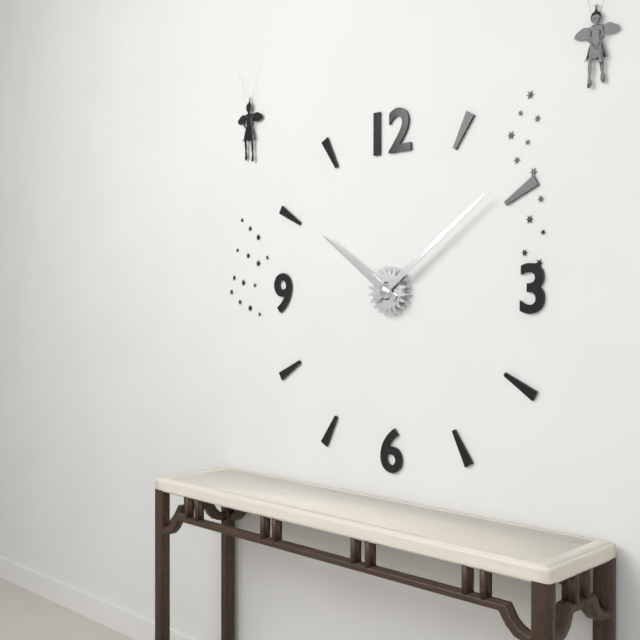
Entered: 10.09
